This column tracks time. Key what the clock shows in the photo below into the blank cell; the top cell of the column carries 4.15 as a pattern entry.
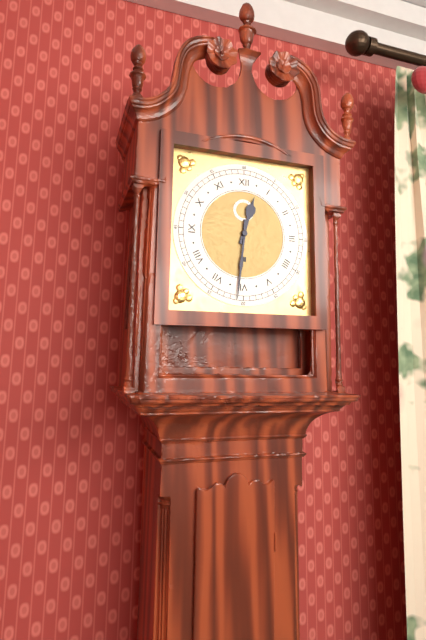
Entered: 12.31
